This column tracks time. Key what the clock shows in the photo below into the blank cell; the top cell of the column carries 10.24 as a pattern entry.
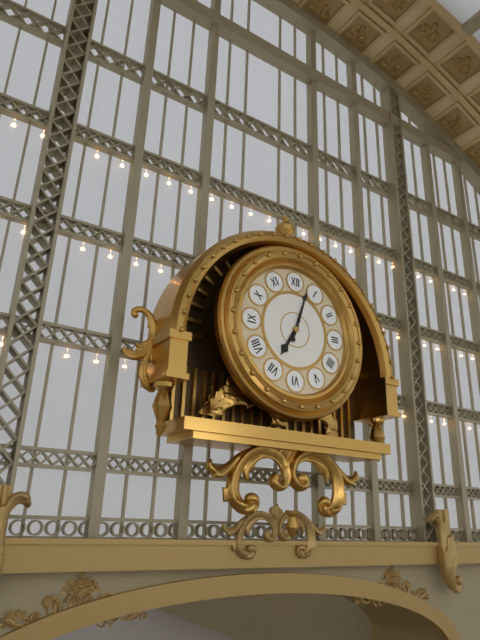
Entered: 7.03
